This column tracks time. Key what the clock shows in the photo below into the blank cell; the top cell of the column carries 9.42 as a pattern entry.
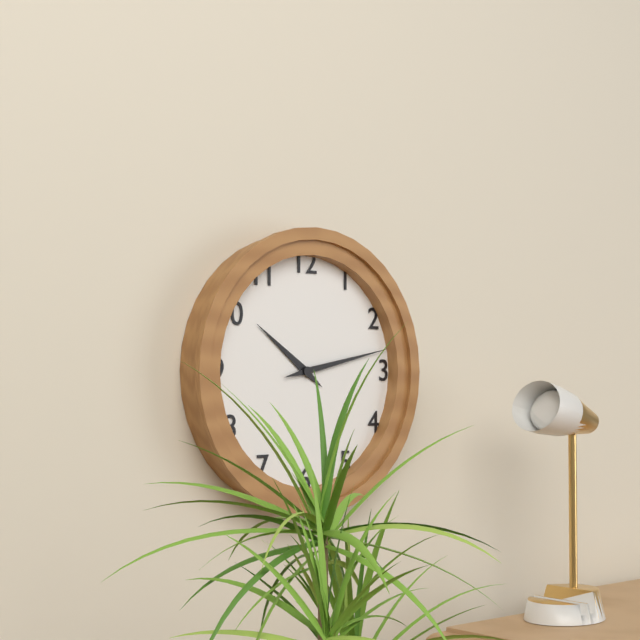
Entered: 10.13
